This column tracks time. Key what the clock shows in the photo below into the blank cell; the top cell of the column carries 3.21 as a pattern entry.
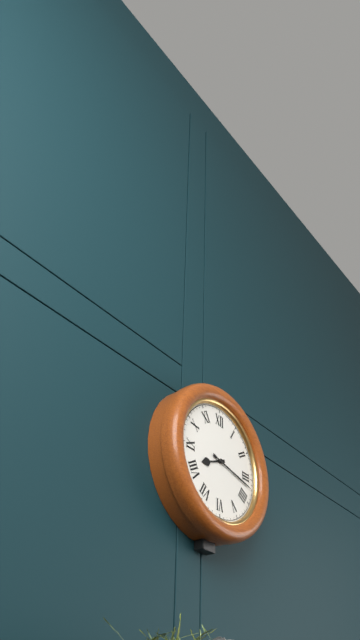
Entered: 8.17
